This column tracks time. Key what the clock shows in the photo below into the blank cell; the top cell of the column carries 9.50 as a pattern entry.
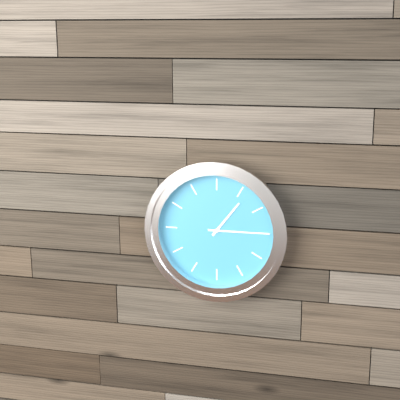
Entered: 1.15
